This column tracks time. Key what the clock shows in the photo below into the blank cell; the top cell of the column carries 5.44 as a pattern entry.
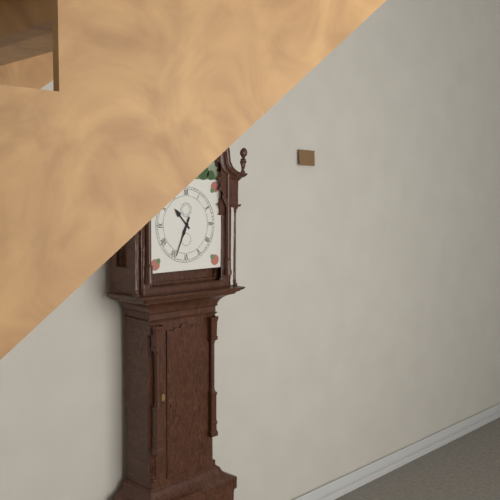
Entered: 10.34
